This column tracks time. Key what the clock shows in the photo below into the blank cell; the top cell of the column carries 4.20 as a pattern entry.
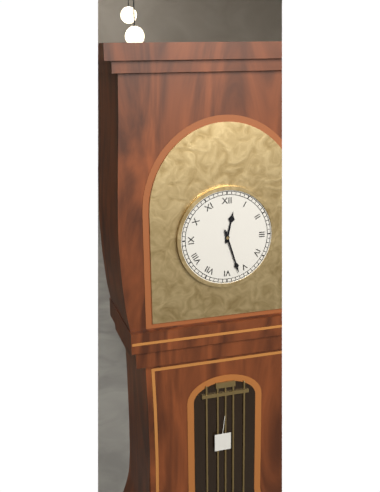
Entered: 12.27
